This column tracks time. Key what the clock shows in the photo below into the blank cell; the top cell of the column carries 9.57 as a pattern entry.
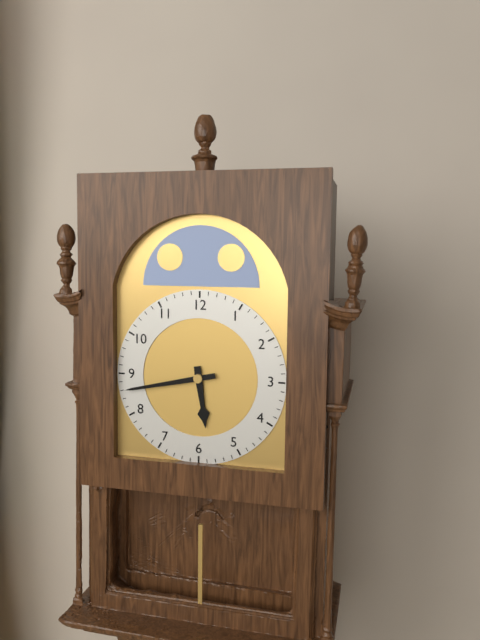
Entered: 5.43
